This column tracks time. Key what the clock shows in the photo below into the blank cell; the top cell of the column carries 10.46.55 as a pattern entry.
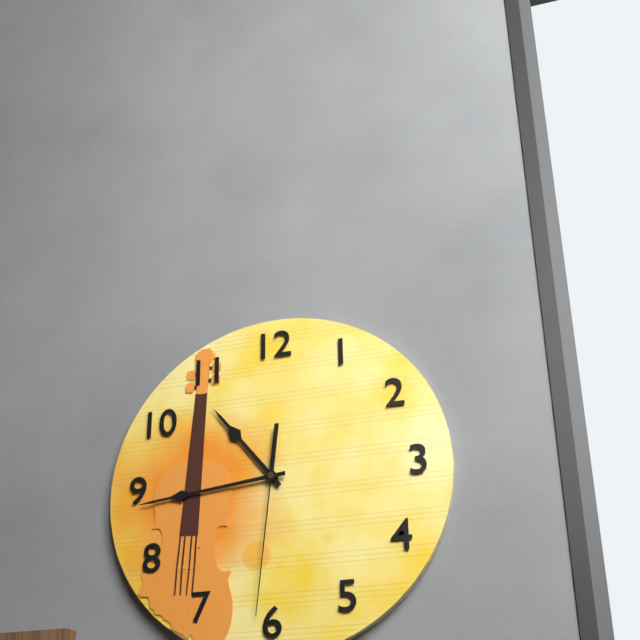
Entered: 10.44.31
